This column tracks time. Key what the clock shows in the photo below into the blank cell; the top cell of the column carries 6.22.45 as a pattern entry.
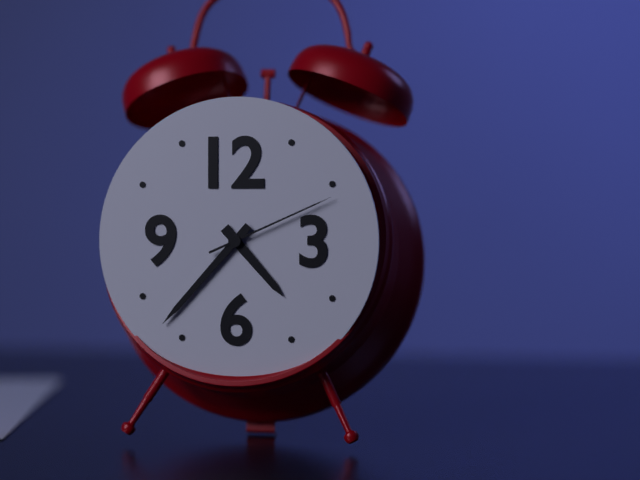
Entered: 4.37.11
